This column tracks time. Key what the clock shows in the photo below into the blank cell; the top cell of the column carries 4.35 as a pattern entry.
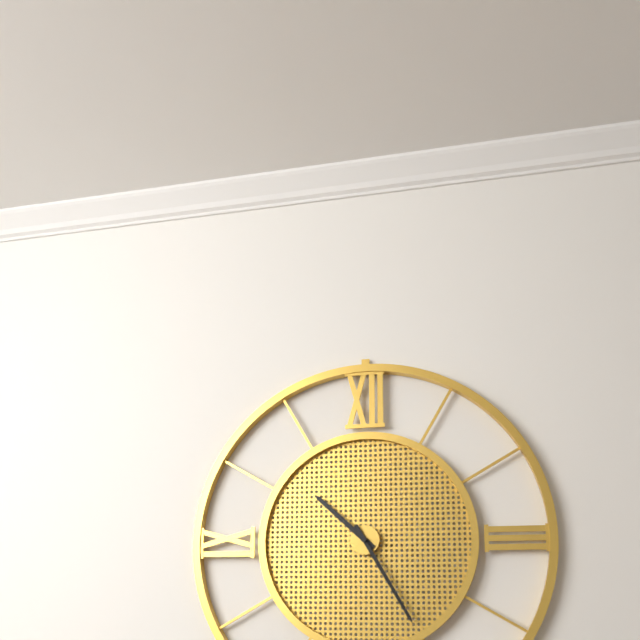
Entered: 10.25
